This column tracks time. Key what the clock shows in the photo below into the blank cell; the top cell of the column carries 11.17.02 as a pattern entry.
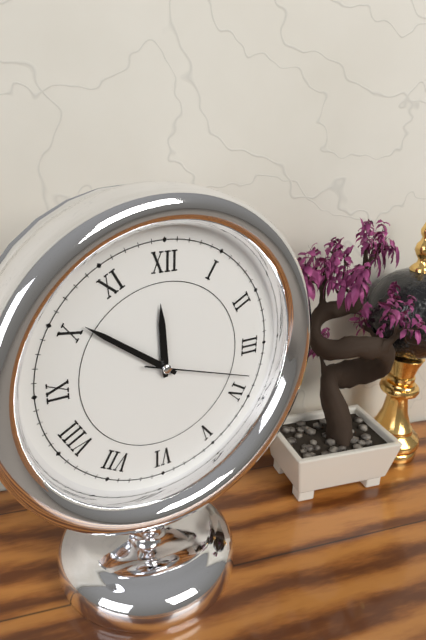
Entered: 11.51.18
